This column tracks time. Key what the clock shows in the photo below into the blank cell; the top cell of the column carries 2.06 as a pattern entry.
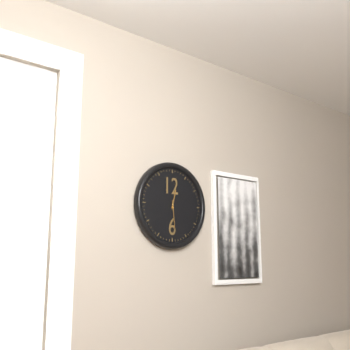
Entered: 12.29
